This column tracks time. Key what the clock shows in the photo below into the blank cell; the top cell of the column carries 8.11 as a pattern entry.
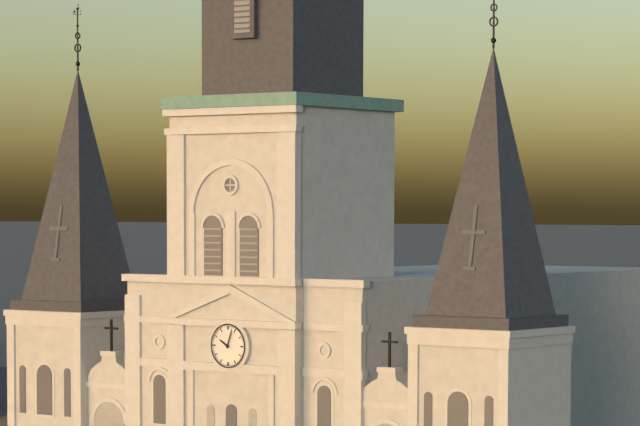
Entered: 10.03
